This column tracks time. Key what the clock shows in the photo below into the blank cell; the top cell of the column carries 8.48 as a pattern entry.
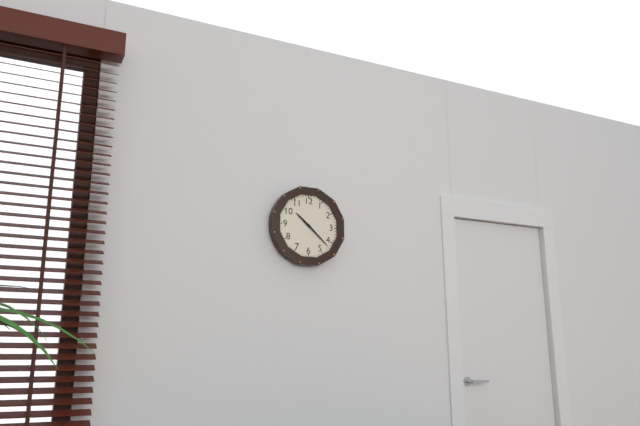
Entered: 10.22
